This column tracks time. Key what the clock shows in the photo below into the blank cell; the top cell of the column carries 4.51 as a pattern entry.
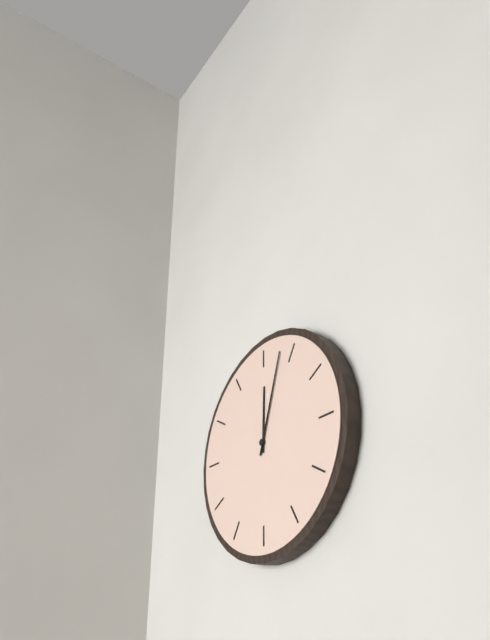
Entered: 12.03
